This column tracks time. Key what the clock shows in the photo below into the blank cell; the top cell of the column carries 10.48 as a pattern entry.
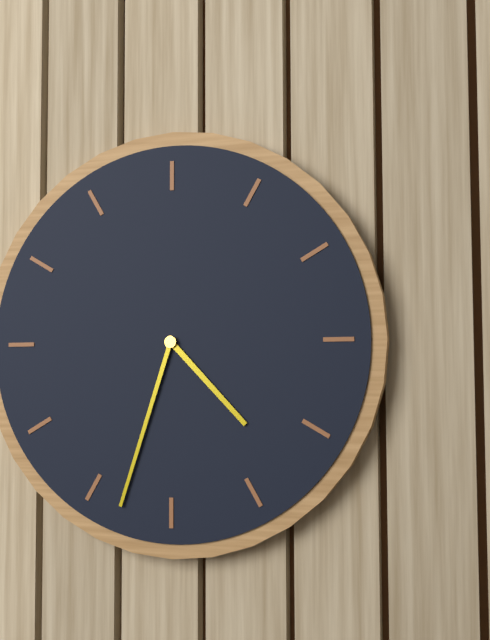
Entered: 4.33
